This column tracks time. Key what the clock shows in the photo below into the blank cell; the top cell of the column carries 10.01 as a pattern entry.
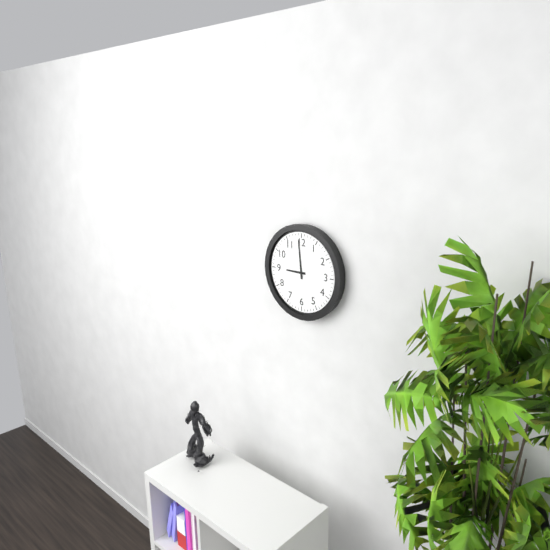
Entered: 8.59
